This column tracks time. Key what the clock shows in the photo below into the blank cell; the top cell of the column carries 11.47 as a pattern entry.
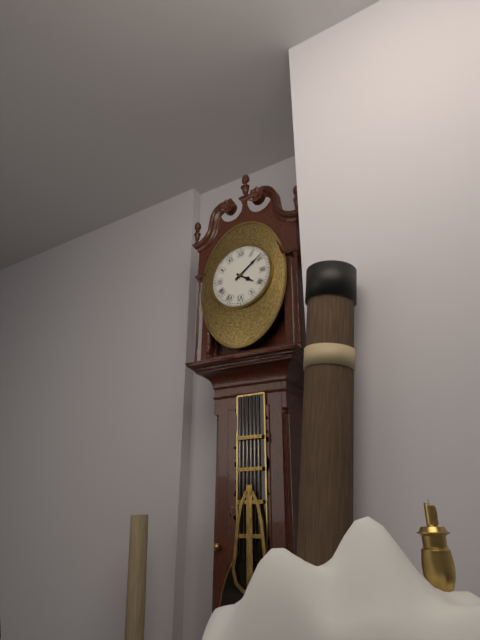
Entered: 4.09
